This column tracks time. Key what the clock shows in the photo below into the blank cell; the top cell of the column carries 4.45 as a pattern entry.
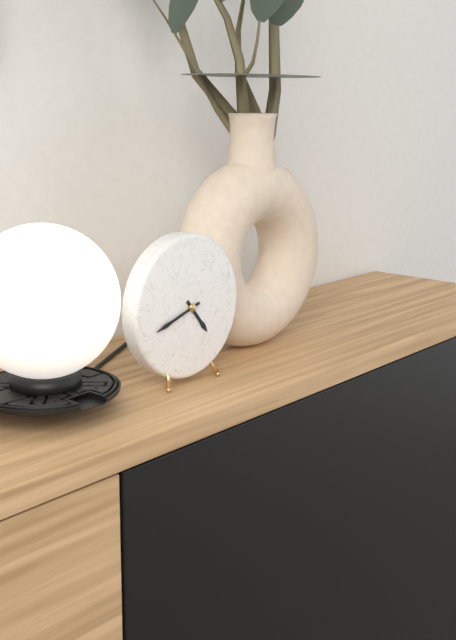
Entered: 4.42
